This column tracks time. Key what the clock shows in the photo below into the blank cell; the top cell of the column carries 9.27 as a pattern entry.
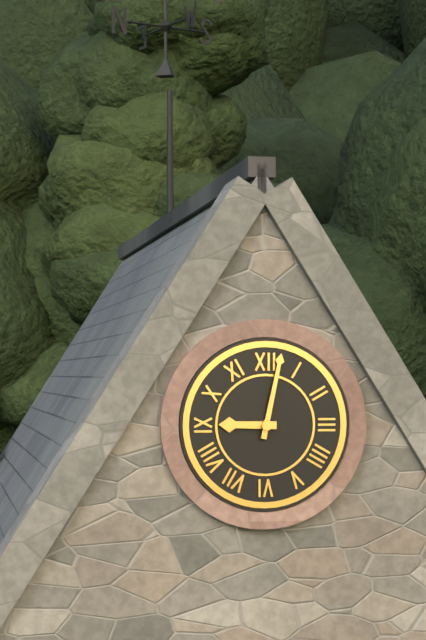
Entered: 9.02
